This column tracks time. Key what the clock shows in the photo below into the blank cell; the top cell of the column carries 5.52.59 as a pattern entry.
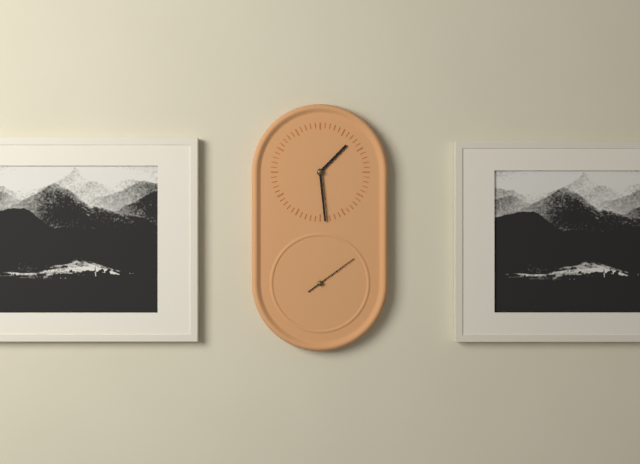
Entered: 1.29.09
